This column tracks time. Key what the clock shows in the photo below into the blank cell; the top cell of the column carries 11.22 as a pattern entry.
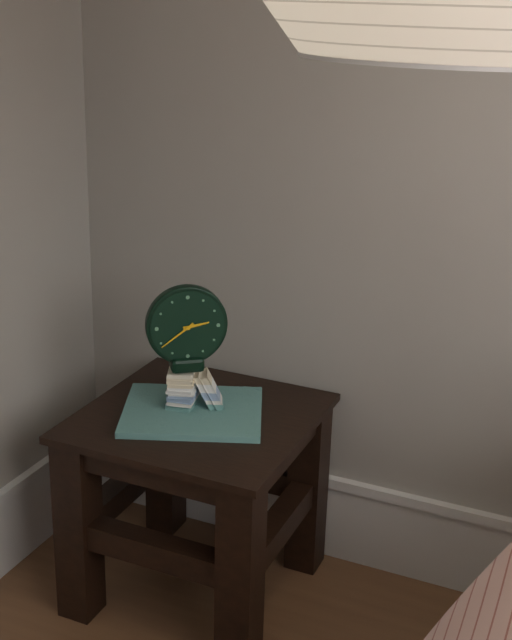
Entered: 2.39
